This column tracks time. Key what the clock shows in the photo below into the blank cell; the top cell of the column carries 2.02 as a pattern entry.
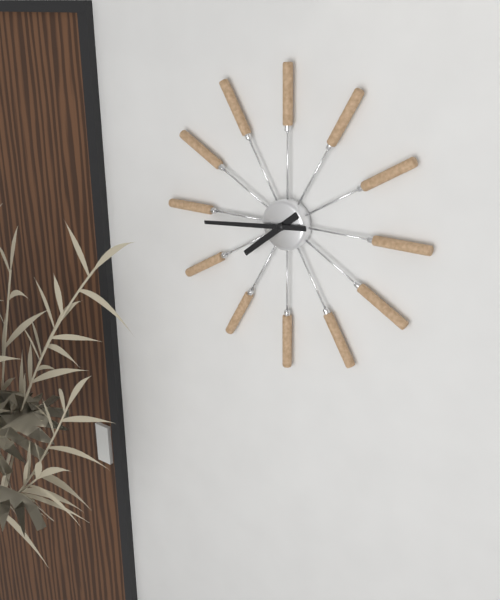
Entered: 7.44
